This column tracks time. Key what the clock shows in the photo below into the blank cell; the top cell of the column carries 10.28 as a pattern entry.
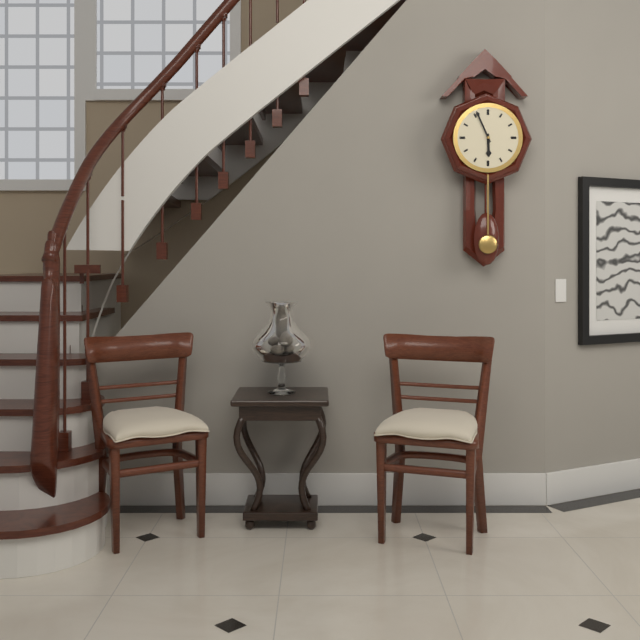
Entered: 5.56
